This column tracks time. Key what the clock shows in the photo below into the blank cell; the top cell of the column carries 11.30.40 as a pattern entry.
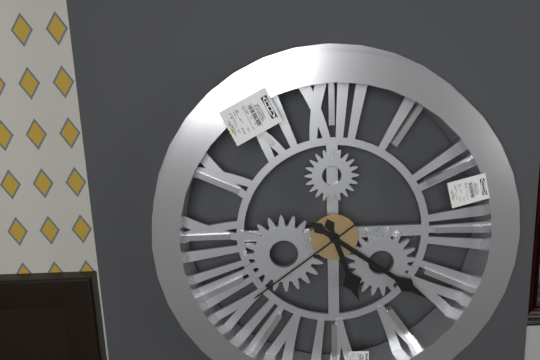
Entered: 5.21.39
